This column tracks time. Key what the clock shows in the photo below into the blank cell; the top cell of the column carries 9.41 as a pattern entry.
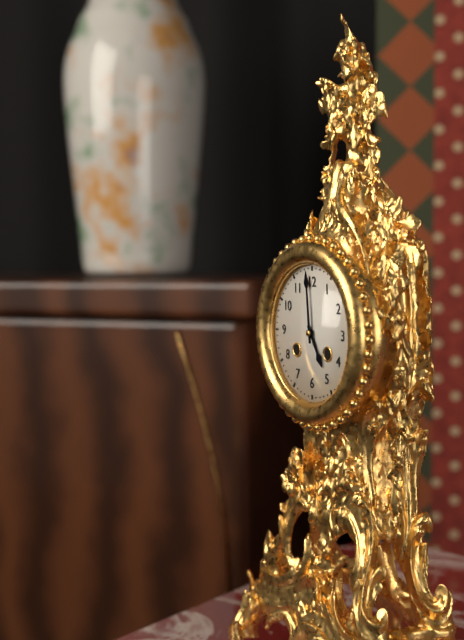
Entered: 4.59
